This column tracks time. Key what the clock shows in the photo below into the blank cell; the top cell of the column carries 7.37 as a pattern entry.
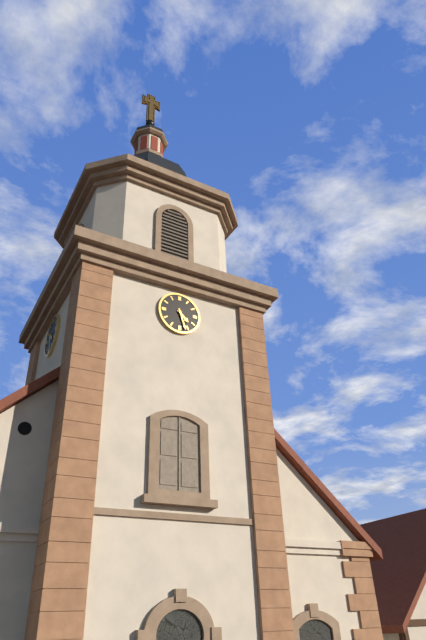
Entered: 4.27
